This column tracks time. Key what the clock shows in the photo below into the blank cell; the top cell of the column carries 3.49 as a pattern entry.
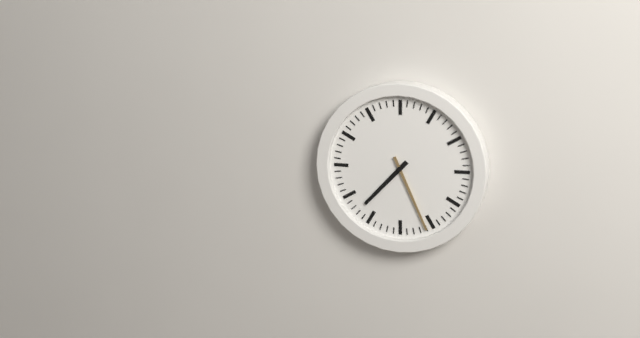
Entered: 7.26
